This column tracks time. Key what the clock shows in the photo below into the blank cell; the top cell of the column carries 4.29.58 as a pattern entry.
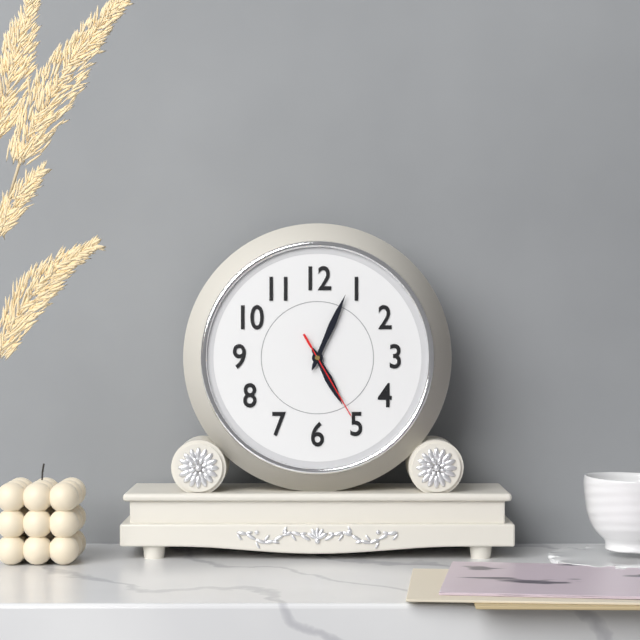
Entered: 5.04.25
